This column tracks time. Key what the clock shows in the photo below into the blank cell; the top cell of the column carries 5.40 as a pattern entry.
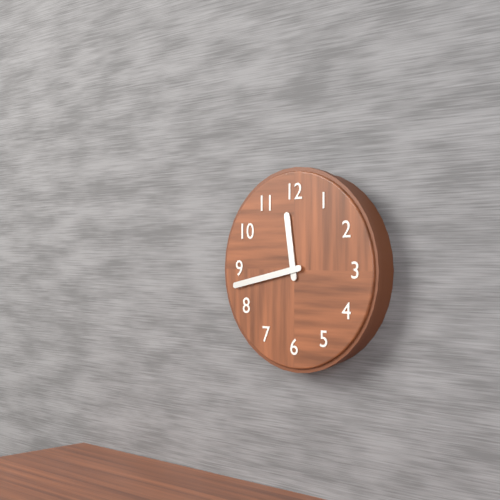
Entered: 11.43
